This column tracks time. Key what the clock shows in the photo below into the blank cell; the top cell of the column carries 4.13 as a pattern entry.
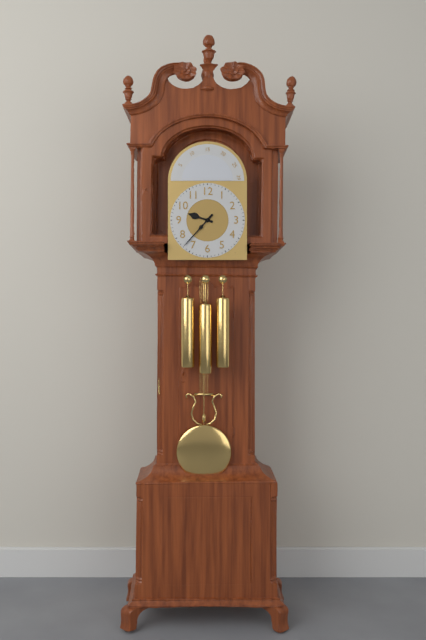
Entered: 9.37
